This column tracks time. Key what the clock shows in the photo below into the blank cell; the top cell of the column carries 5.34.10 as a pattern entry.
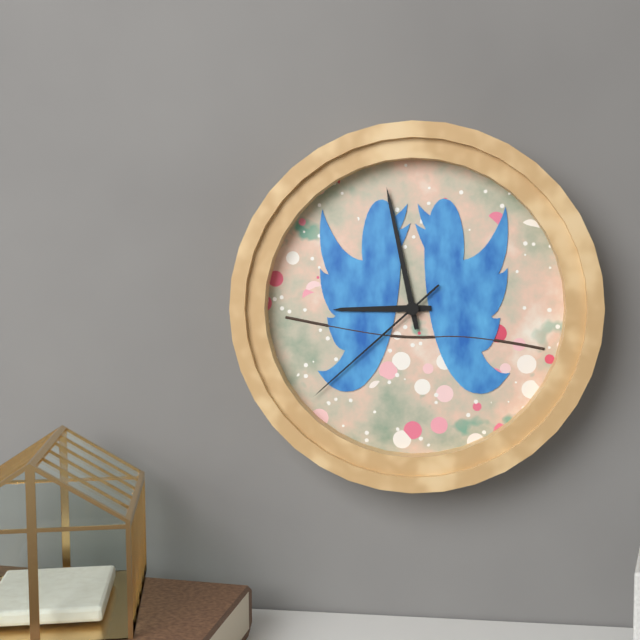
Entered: 8.58.38
